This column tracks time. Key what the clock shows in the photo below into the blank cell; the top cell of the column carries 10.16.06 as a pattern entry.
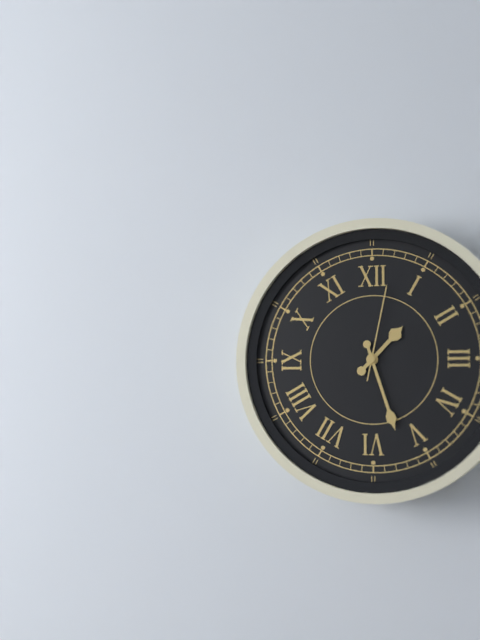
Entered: 1.27.02
